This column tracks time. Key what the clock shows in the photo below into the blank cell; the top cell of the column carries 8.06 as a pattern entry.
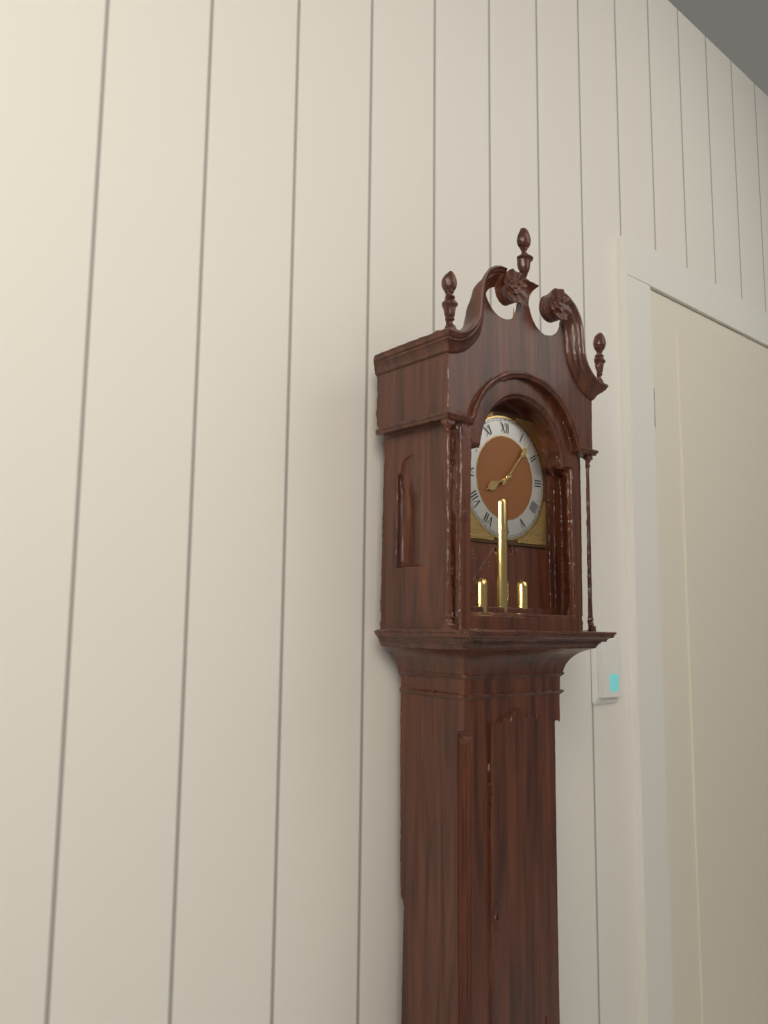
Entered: 8.07
